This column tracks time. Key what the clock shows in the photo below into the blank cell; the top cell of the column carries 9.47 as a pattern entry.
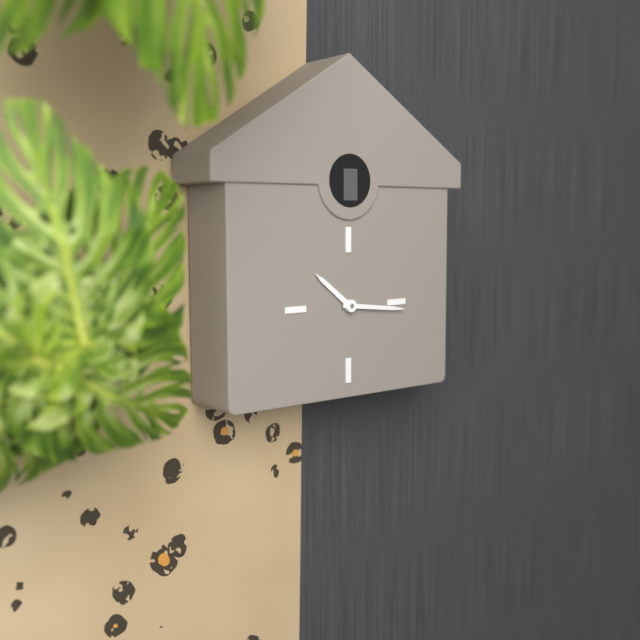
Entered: 10.16
